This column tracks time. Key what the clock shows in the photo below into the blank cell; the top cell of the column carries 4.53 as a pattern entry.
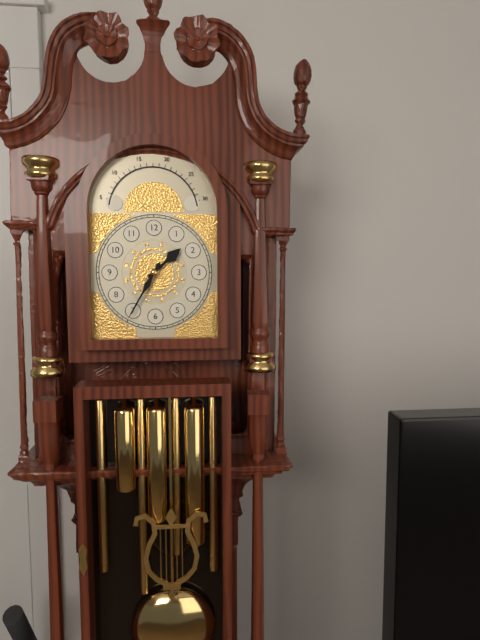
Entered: 1.35
